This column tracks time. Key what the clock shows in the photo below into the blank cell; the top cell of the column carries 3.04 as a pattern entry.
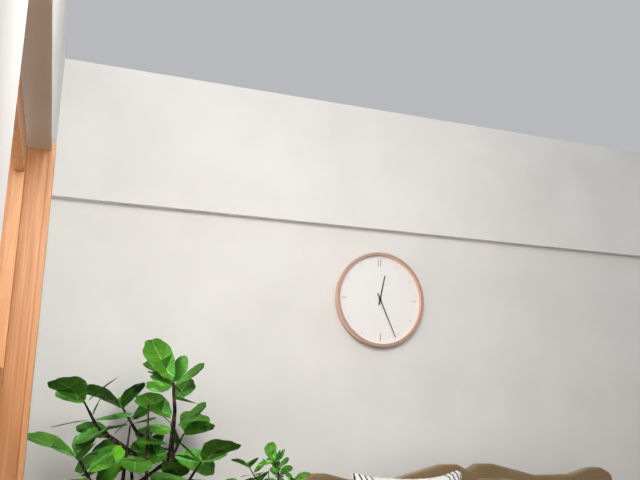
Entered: 12.26
